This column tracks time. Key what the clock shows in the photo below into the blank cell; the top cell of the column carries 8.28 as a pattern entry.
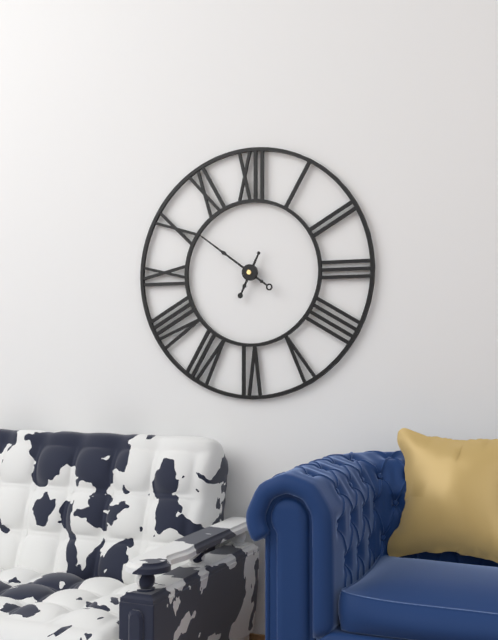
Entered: 6.51
